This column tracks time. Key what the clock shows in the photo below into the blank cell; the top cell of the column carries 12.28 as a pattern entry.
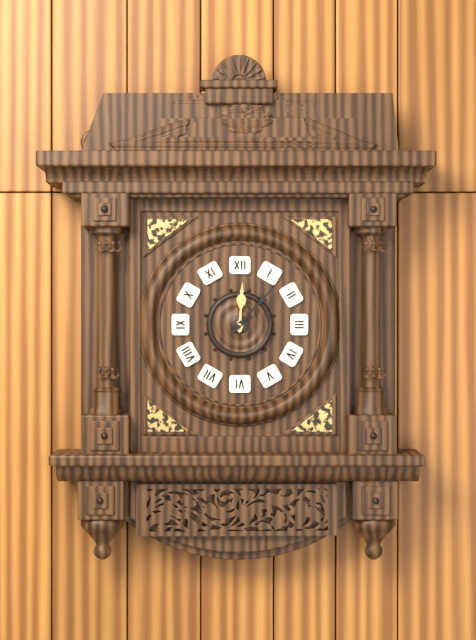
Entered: 12.07
